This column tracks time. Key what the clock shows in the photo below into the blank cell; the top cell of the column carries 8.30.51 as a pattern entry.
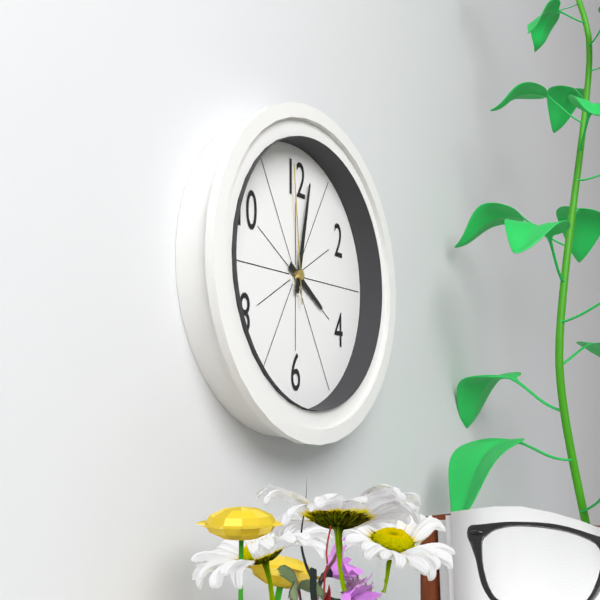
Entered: 4.02.59
